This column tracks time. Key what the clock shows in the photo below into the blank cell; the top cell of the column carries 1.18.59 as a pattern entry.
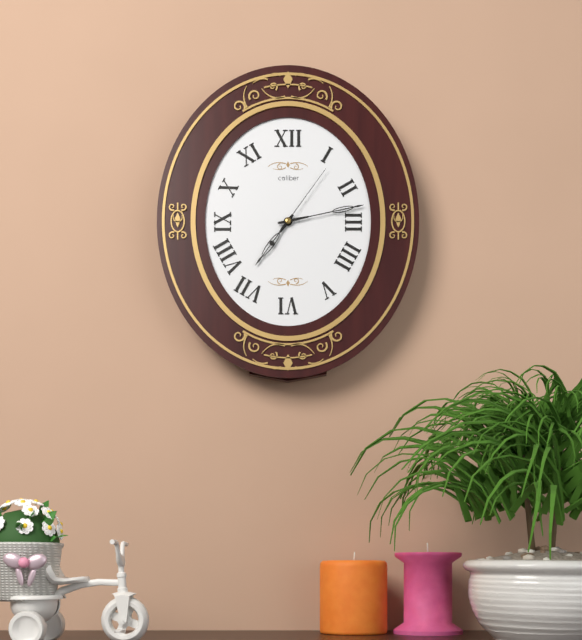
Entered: 7.13.06
